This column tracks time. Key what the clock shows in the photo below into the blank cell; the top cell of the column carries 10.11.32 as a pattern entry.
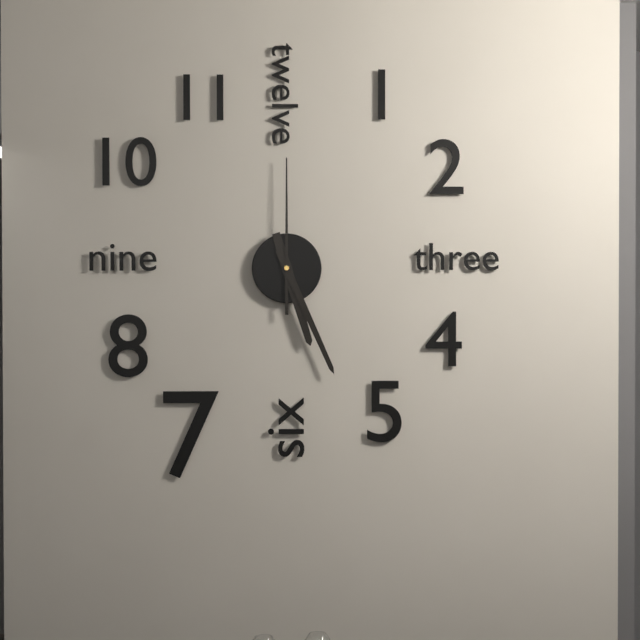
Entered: 5.26.00
